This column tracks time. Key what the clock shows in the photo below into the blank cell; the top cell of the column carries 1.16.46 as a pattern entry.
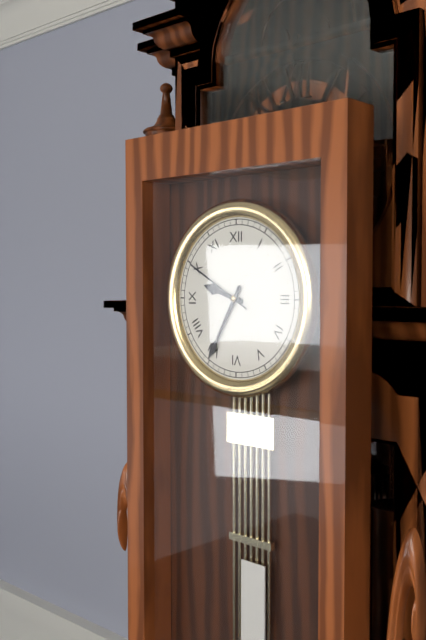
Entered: 9.35.50
